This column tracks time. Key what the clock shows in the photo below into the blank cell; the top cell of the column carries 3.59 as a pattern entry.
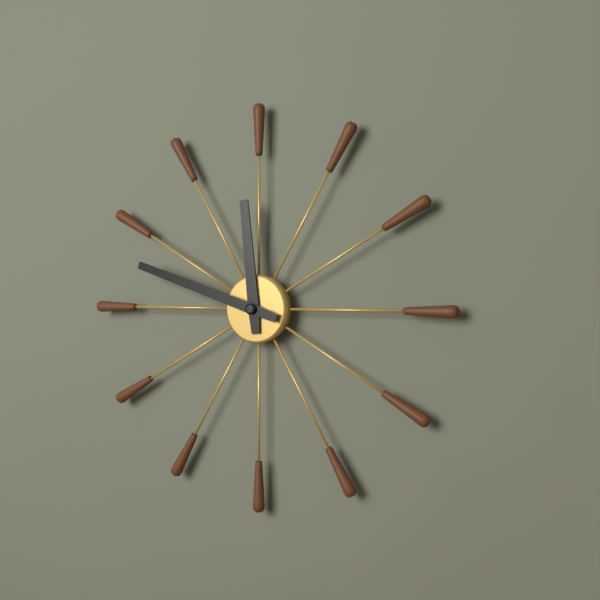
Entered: 11.48
